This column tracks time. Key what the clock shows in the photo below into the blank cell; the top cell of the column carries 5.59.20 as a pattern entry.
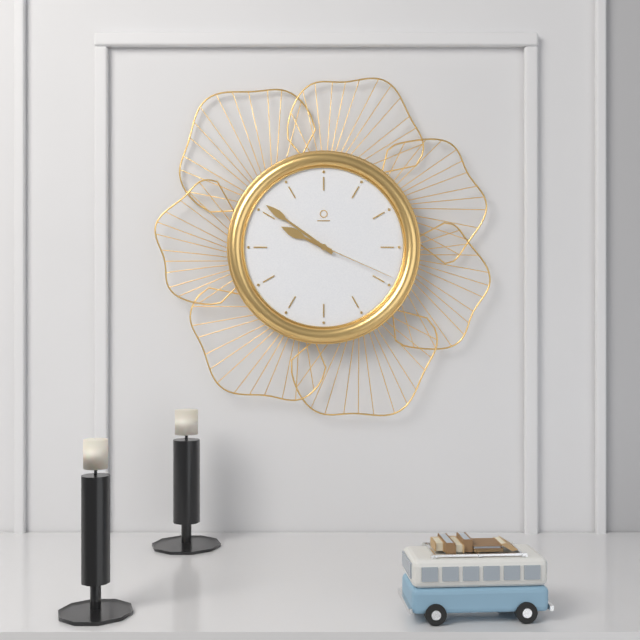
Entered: 9.51.19
